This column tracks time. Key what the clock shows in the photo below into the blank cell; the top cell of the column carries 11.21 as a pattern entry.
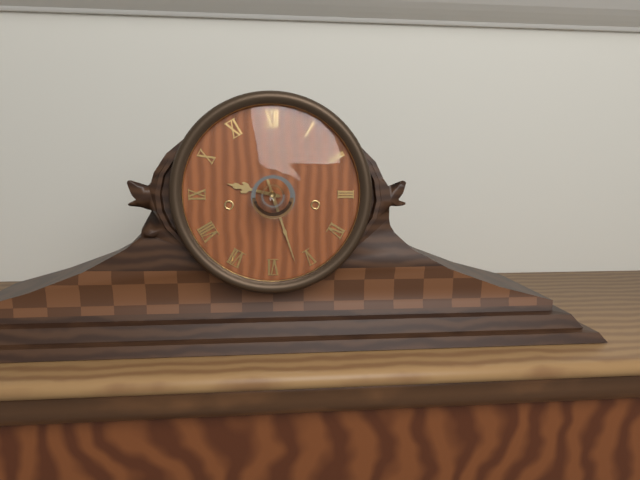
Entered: 9.27
